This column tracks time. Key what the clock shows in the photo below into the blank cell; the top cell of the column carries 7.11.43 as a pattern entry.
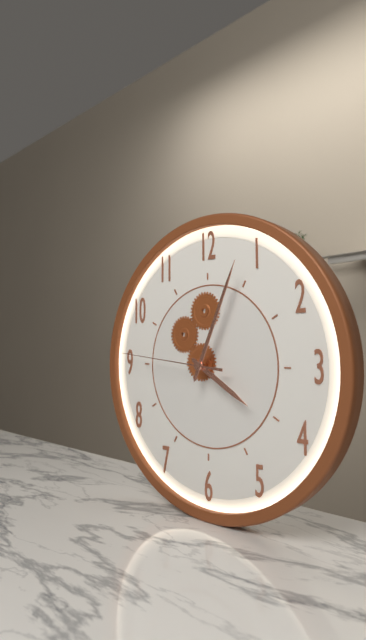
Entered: 4.04.46
